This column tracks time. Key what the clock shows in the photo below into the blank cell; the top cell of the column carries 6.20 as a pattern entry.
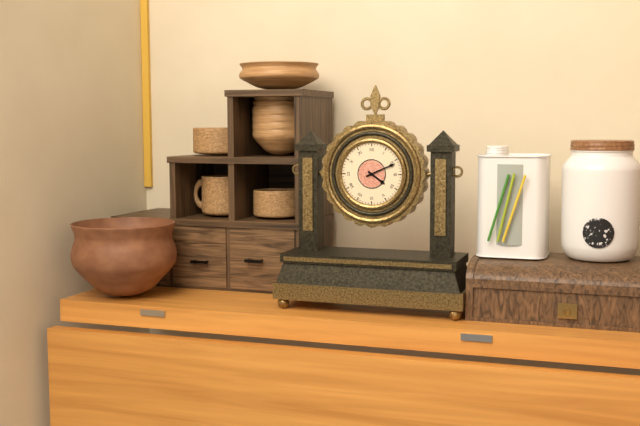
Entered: 4.11
